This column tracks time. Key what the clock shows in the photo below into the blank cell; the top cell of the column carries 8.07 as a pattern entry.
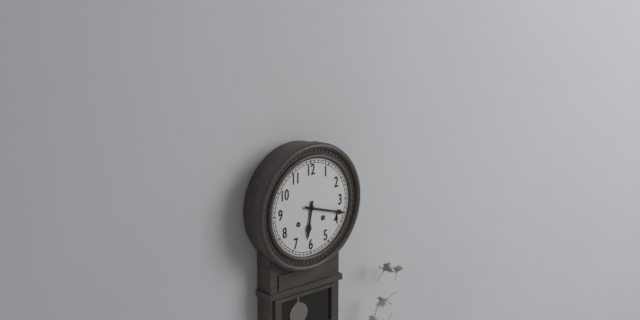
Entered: 6.18
